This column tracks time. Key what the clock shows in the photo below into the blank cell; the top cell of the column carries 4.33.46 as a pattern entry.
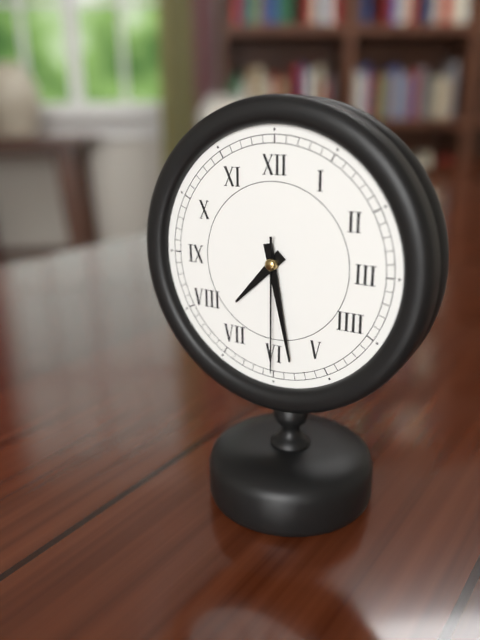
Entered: 7.28.30
